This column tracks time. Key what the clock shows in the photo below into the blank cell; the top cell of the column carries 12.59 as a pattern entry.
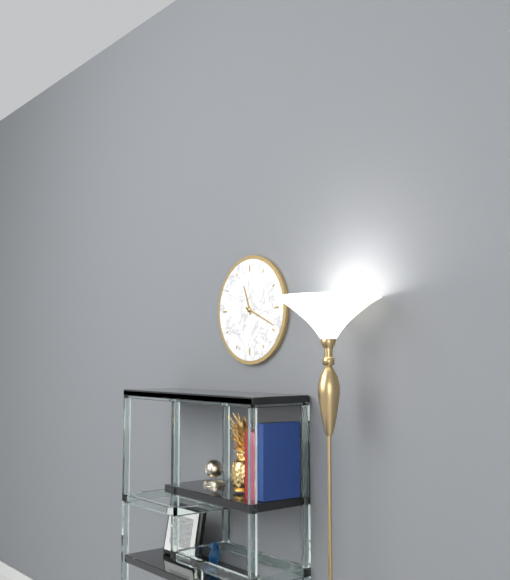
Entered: 11.19
